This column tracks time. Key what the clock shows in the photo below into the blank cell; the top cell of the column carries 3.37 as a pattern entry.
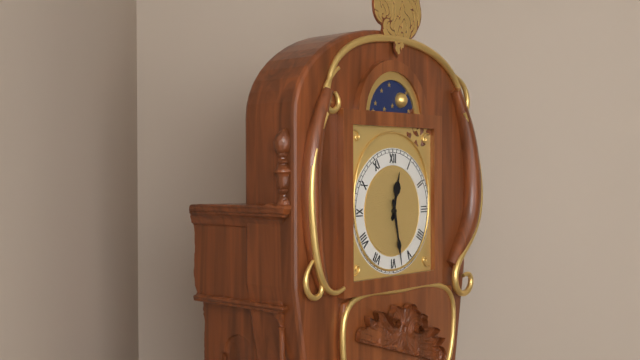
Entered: 12.28
